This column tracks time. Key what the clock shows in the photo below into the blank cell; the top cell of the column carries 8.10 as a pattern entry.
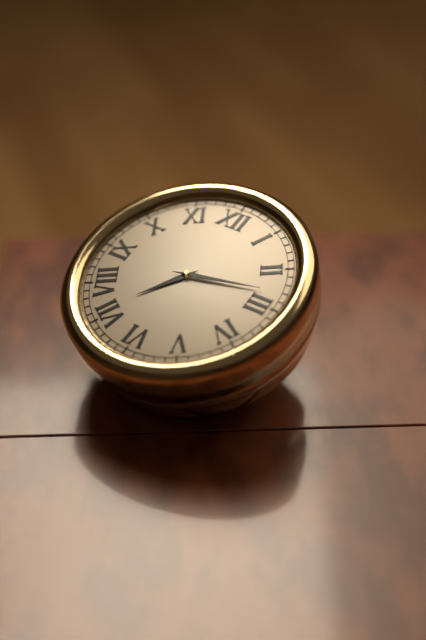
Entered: 7.13
